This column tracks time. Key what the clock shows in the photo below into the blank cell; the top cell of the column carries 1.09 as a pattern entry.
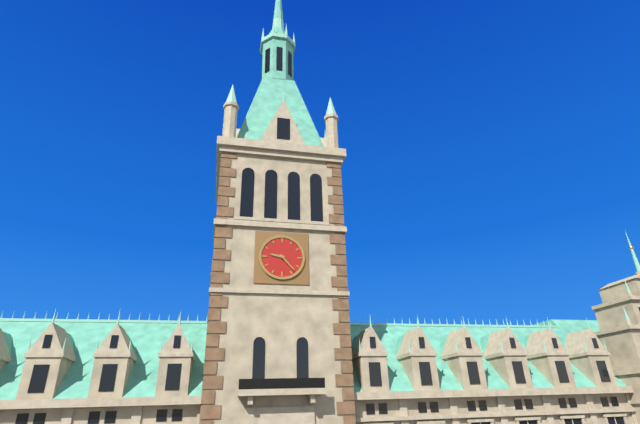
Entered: 9.23
